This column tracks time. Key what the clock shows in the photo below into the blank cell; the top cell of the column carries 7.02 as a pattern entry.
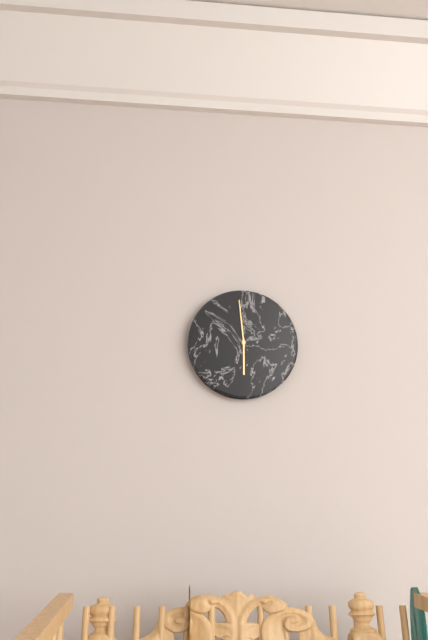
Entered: 5.59
